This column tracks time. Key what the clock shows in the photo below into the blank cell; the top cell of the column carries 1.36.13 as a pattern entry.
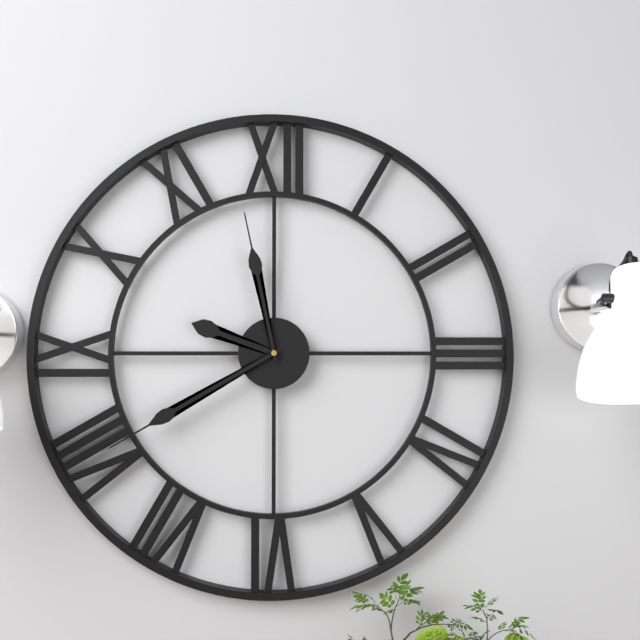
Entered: 9.40.58
